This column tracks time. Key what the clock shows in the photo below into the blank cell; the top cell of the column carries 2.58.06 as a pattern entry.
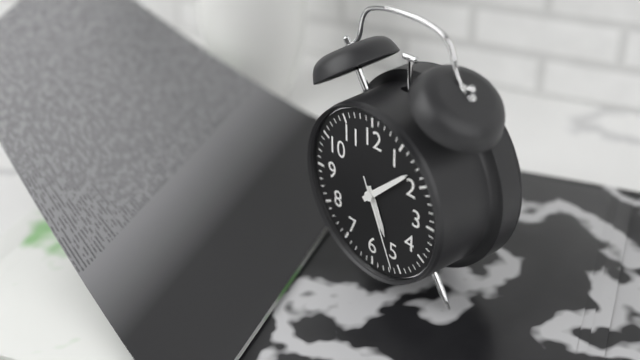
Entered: 5.08.26
